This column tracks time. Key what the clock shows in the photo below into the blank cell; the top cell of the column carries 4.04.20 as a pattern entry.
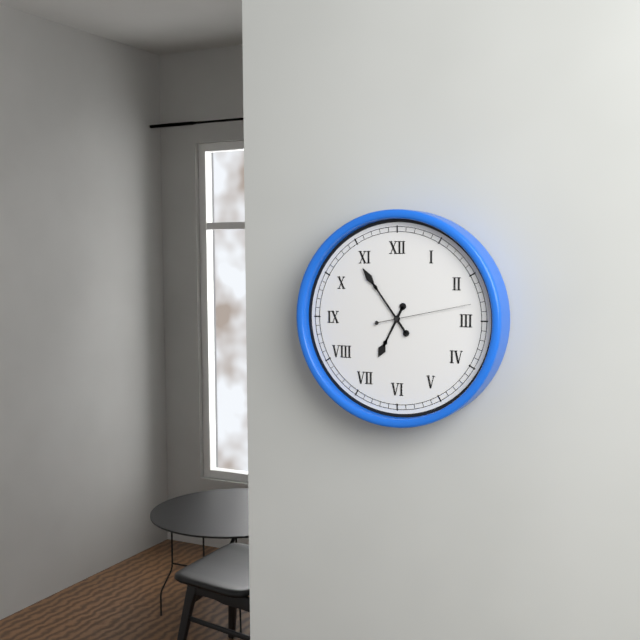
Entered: 6.54.13
